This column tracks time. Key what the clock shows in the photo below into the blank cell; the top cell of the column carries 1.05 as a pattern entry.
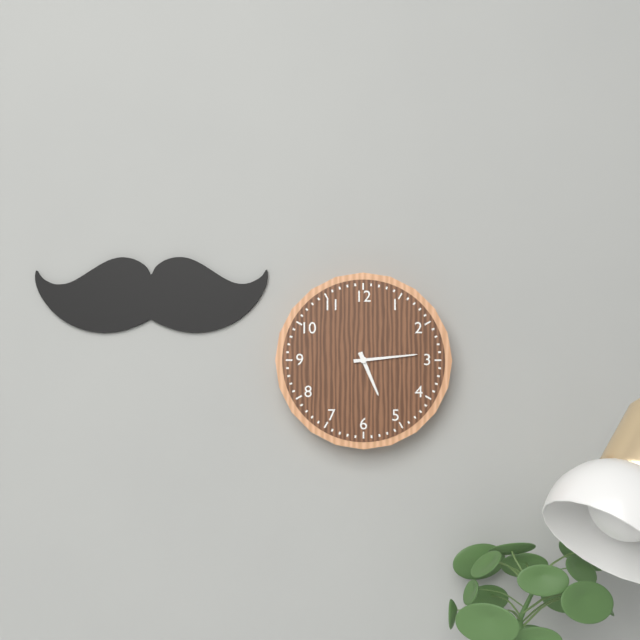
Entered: 5.14
